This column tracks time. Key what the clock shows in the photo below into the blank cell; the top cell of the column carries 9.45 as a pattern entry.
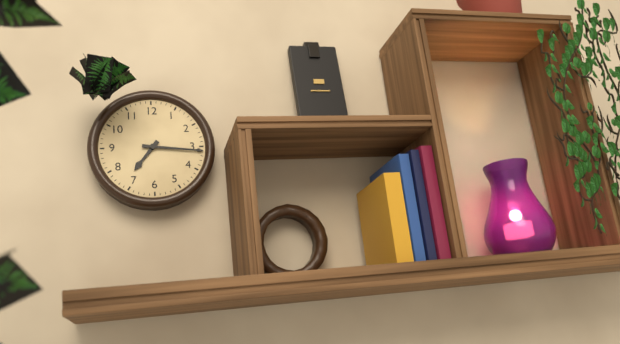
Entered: 7.16
